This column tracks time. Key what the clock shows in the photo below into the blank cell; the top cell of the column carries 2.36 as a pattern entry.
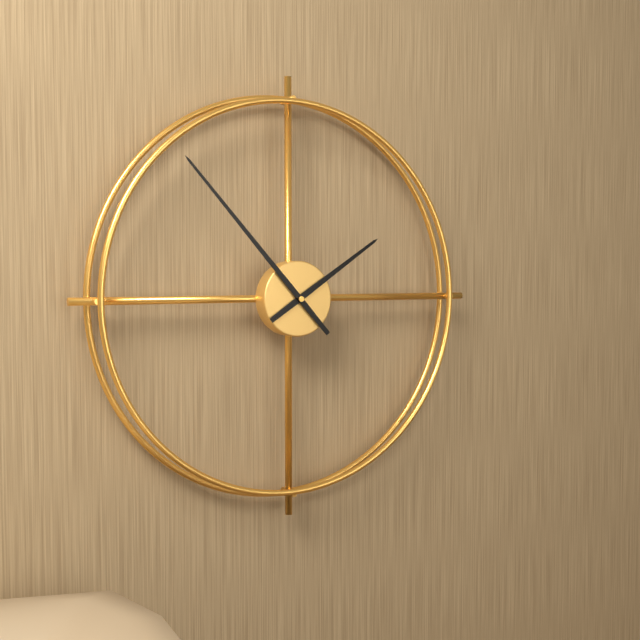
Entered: 1.53
